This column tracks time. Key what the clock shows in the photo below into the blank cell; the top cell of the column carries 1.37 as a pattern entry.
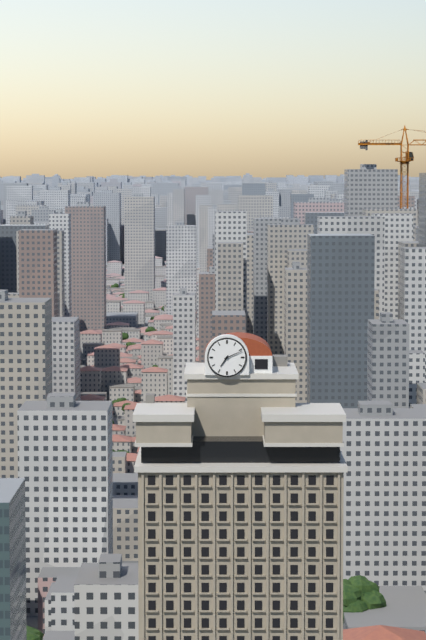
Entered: 7.11
